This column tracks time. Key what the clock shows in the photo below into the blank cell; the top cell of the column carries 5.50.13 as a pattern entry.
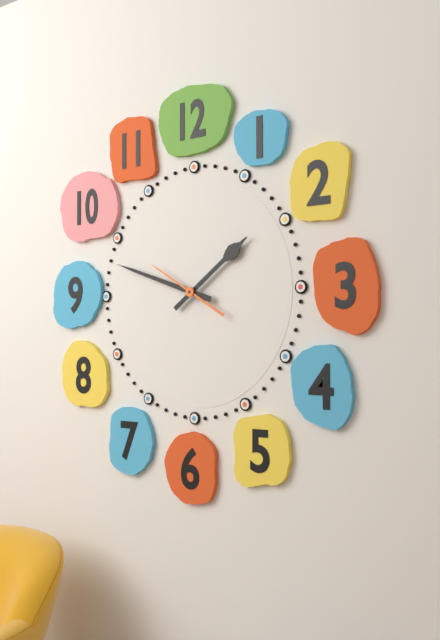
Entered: 1.48.50
